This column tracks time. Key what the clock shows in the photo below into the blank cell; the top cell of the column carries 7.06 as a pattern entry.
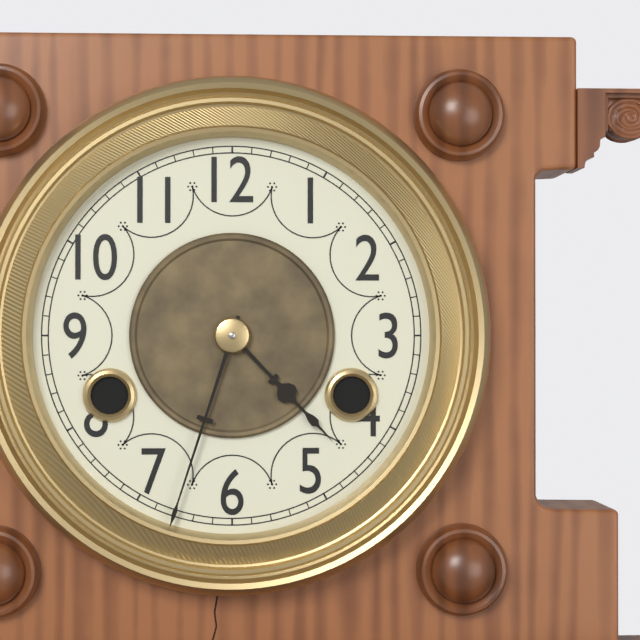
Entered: 4.33
